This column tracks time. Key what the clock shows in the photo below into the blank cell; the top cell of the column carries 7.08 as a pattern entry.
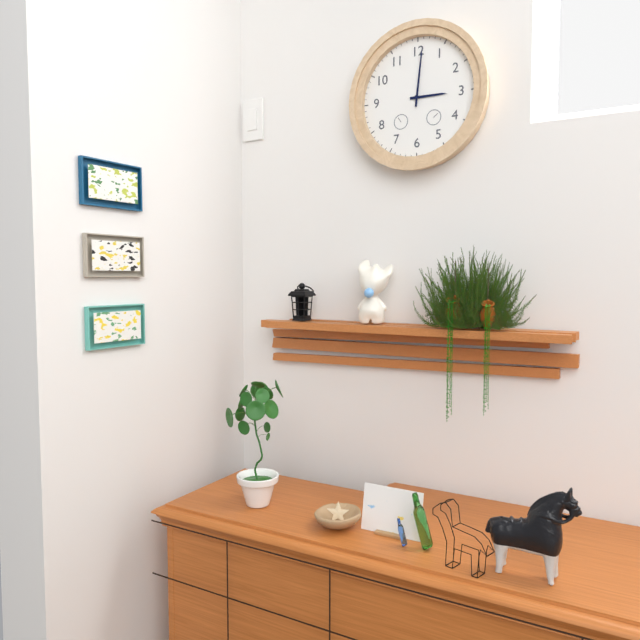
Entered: 3.01
